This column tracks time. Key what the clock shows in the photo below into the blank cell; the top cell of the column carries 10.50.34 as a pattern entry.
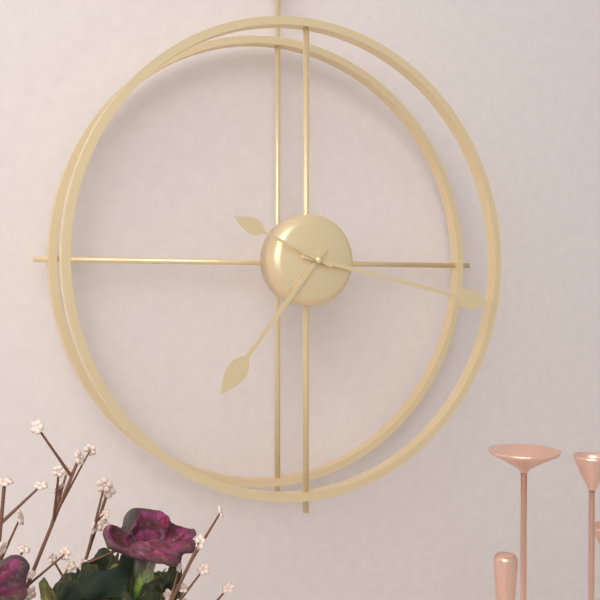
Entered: 7.17.49
